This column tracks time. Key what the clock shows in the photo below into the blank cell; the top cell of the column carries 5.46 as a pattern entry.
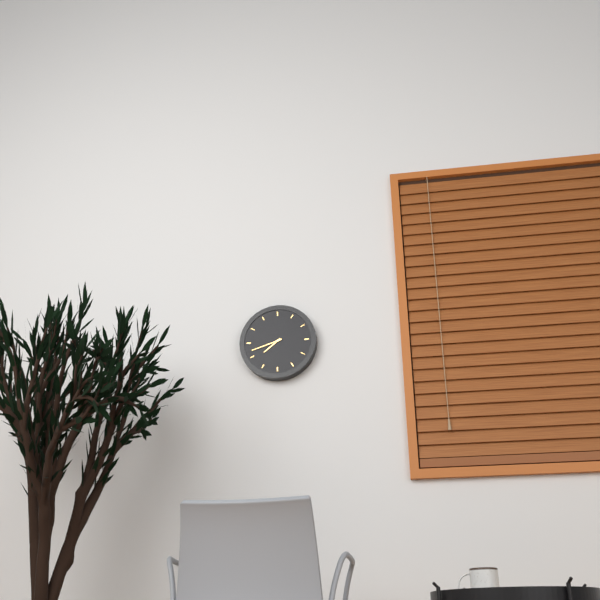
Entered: 7.42
